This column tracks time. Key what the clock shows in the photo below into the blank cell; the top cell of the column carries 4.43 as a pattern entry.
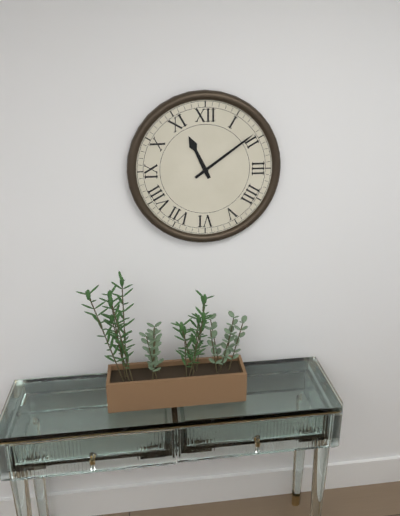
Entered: 11.09
